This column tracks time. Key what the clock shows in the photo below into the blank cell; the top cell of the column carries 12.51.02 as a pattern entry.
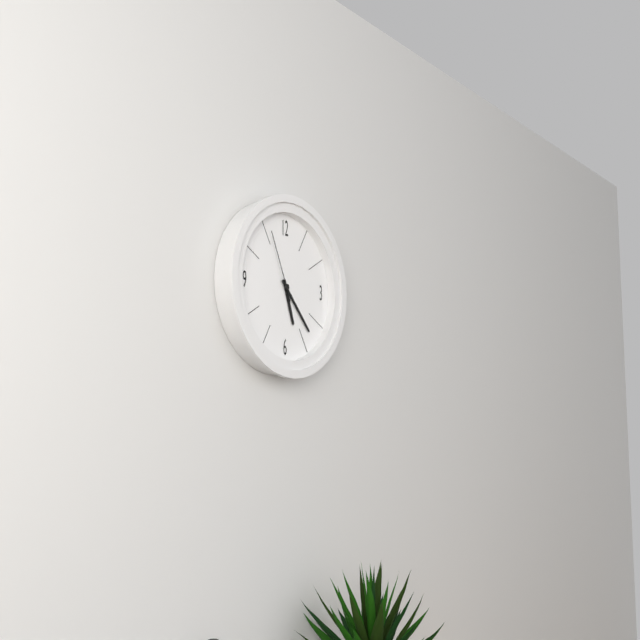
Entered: 5.23.56
